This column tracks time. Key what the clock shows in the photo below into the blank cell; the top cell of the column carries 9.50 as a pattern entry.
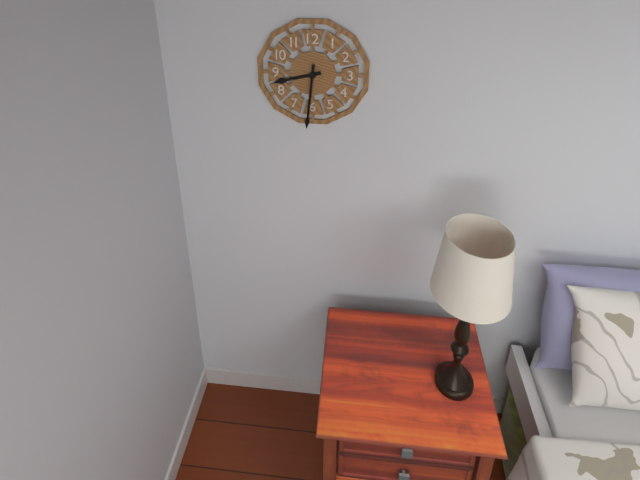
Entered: 8.31
